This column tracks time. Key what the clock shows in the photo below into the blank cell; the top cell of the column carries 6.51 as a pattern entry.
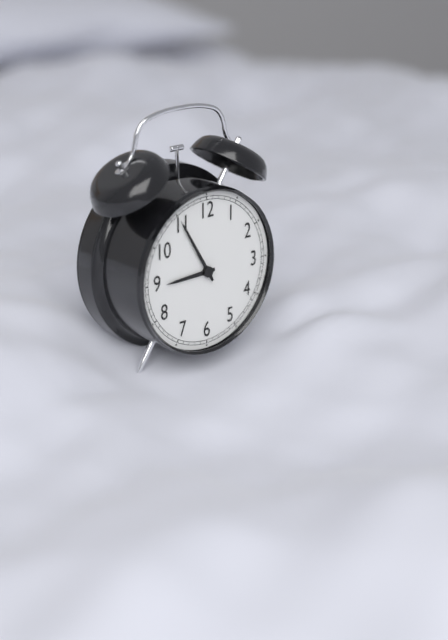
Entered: 8.55
